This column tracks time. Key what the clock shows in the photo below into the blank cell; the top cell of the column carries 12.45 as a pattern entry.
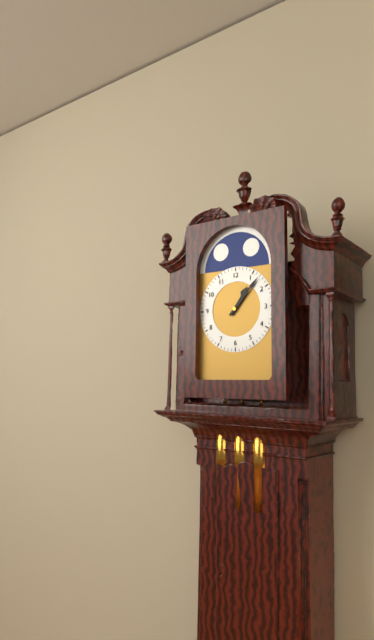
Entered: 1.07
